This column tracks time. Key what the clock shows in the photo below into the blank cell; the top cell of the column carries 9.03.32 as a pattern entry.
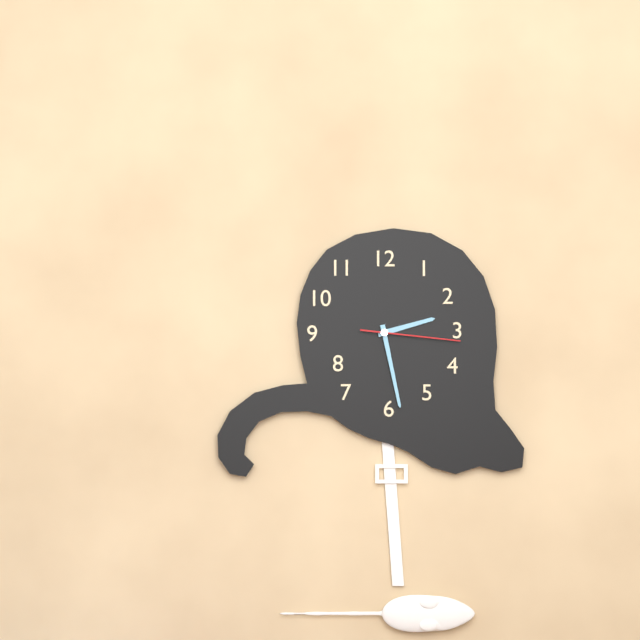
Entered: 2.28.16
